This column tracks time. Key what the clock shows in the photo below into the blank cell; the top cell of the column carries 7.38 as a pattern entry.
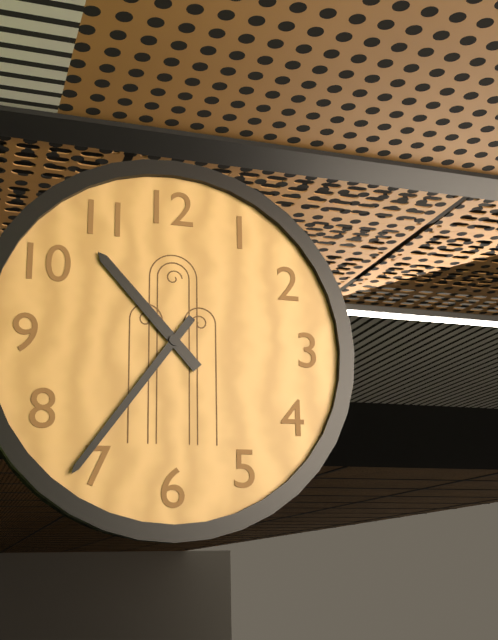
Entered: 10.36
